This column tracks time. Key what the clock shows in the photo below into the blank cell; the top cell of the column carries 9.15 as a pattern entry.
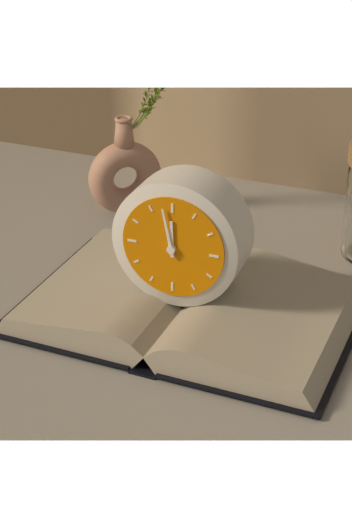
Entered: 11.58
